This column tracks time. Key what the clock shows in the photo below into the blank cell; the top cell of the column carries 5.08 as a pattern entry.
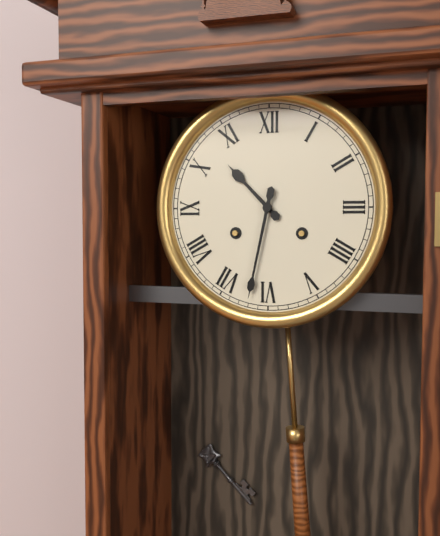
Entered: 10.32
